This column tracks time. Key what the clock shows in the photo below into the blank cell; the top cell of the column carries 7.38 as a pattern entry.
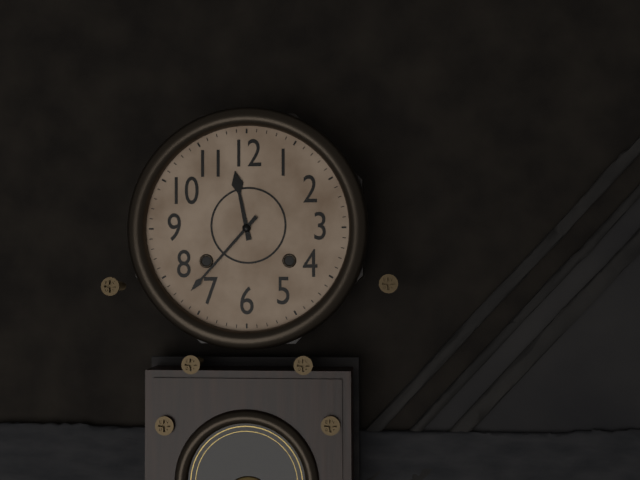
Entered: 11.37
